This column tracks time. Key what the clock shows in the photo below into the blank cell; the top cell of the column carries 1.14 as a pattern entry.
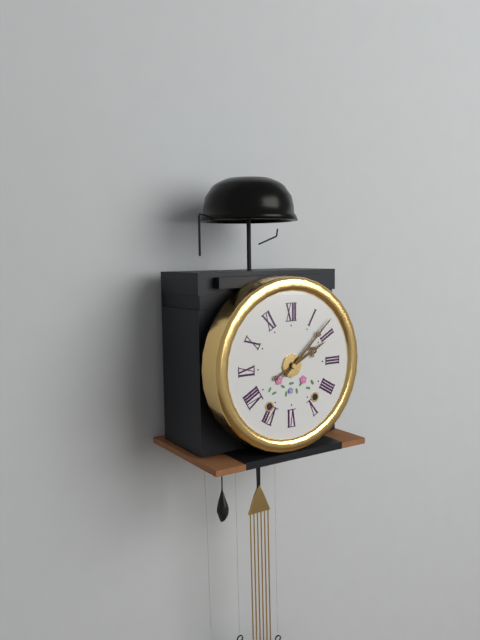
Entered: 2.08
